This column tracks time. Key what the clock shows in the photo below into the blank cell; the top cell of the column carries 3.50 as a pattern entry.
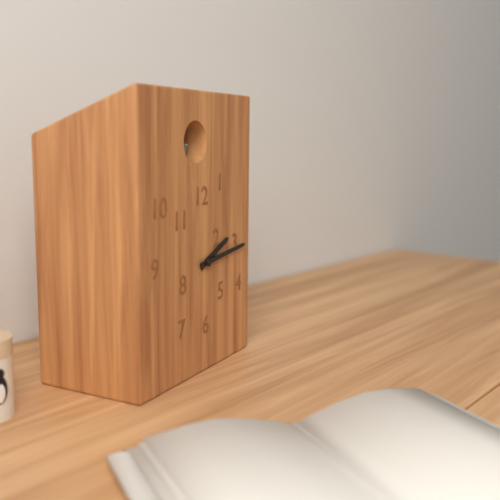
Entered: 2.14
